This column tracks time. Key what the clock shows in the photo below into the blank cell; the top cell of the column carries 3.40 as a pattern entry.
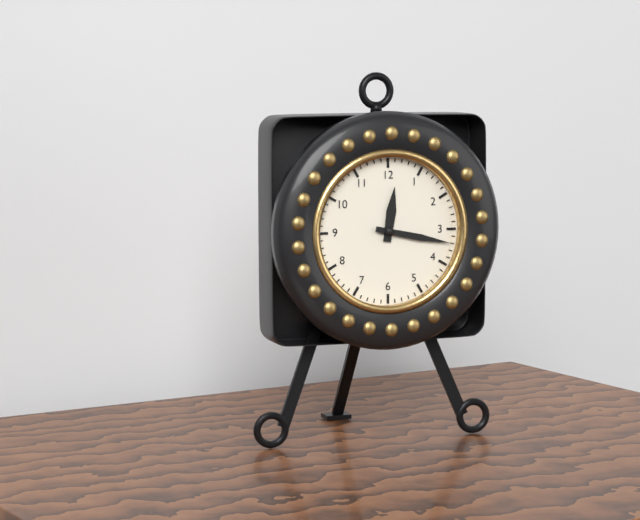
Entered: 12.17
